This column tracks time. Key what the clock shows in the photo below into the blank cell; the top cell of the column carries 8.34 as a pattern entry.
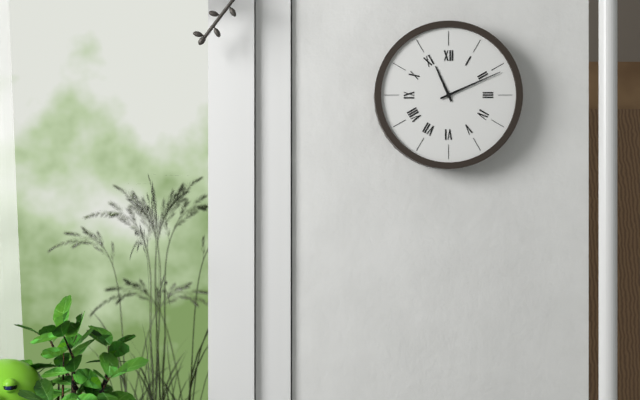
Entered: 11.11
